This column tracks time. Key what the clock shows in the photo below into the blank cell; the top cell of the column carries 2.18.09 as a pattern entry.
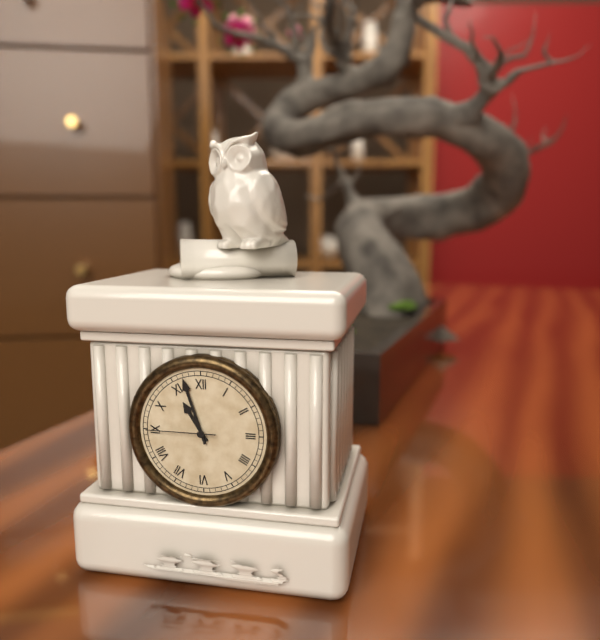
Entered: 10.57.45
